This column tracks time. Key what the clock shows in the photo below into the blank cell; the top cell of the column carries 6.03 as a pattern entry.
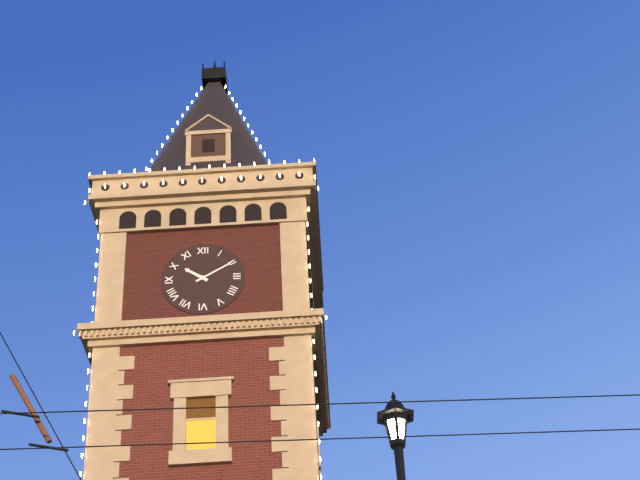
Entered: 10.10
